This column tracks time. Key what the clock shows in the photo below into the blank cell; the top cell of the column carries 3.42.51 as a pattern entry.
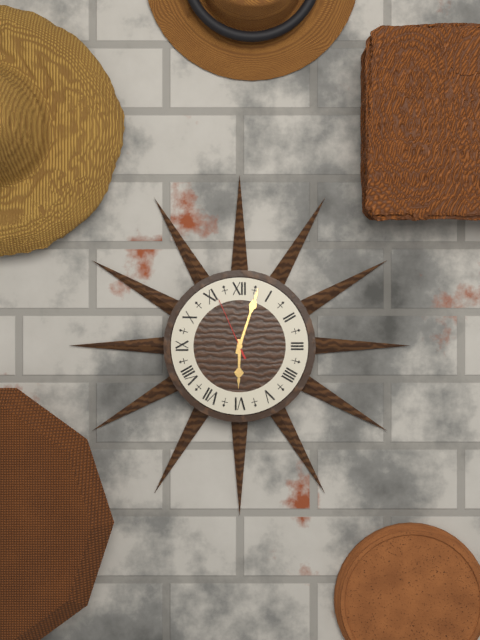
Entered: 6.03.56
